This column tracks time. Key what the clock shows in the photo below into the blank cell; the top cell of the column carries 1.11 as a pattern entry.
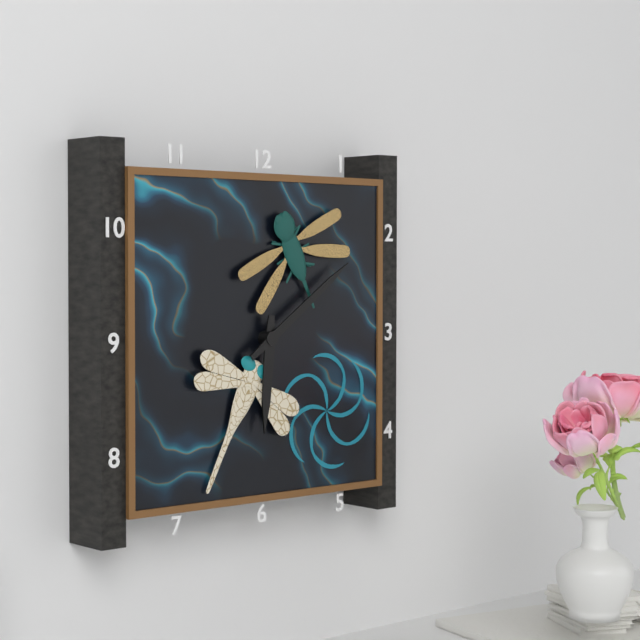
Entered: 6.09
